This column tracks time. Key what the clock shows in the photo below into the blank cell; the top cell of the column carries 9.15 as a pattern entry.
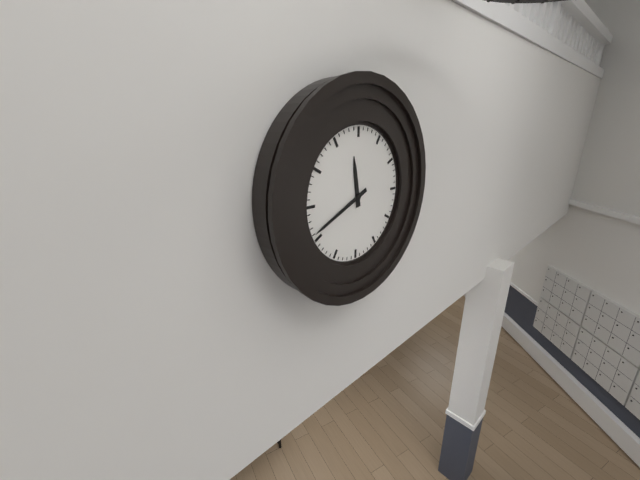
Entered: 11.41
